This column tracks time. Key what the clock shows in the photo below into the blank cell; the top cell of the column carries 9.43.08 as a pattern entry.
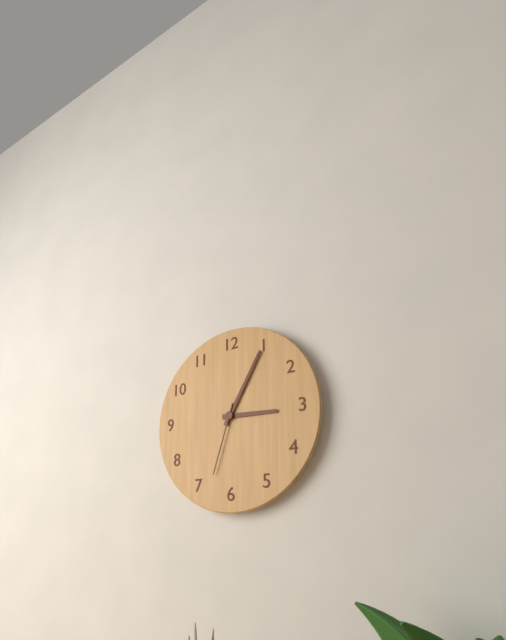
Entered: 3.05.33
